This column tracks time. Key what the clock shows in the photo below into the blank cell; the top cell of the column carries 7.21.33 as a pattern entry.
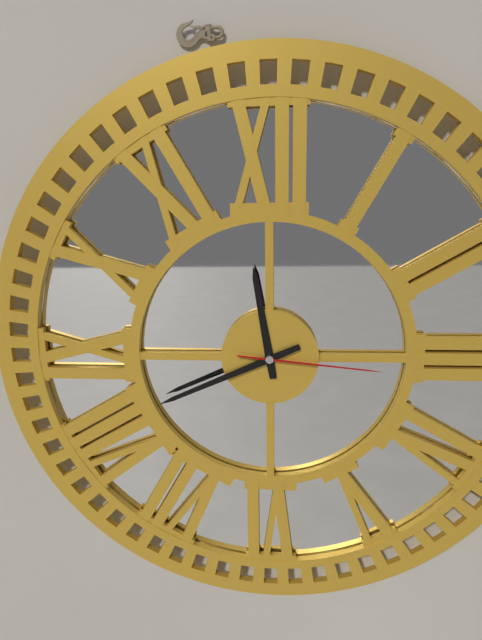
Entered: 11.41.16
